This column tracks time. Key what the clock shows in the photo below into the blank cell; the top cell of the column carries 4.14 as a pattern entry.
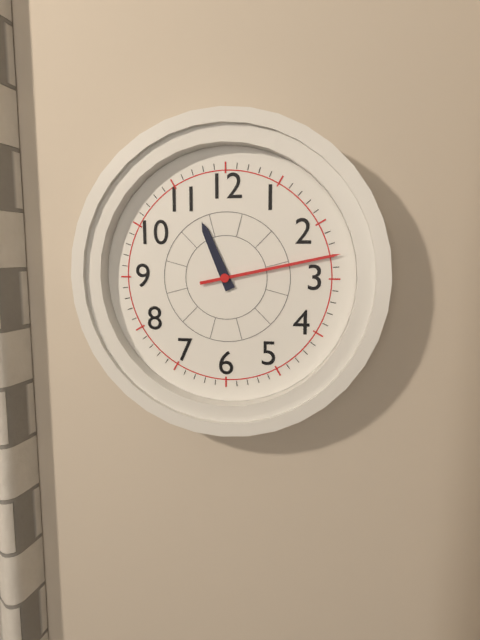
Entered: 11.13
